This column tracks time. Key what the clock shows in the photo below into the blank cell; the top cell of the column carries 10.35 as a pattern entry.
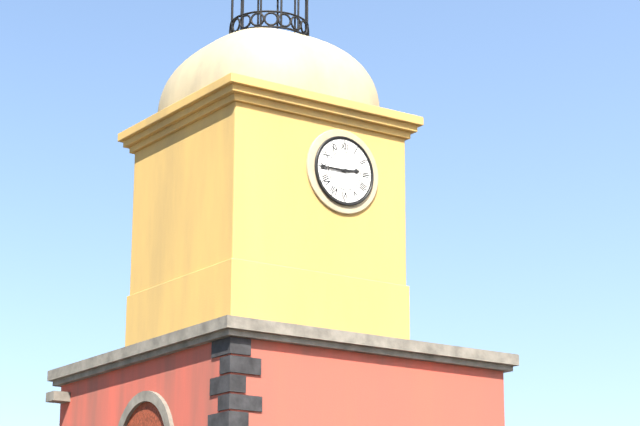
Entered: 2.45
